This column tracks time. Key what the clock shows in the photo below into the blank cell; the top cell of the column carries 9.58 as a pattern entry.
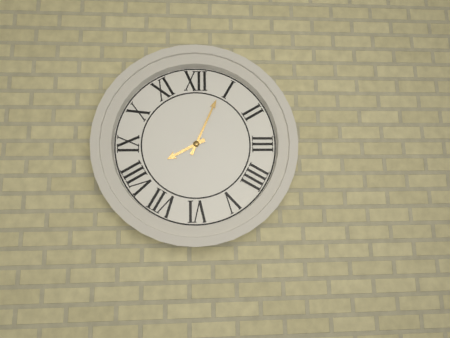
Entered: 8.04
